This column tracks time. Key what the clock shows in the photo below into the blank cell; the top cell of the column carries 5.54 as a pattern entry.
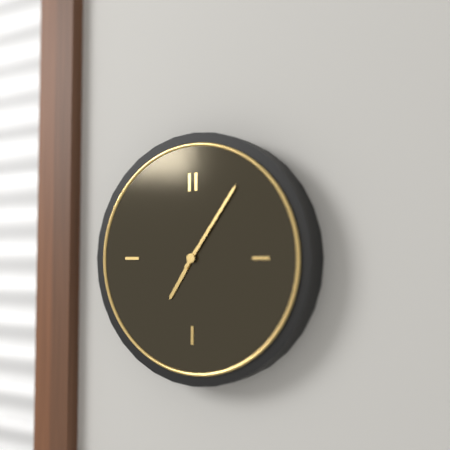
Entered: 7.06
